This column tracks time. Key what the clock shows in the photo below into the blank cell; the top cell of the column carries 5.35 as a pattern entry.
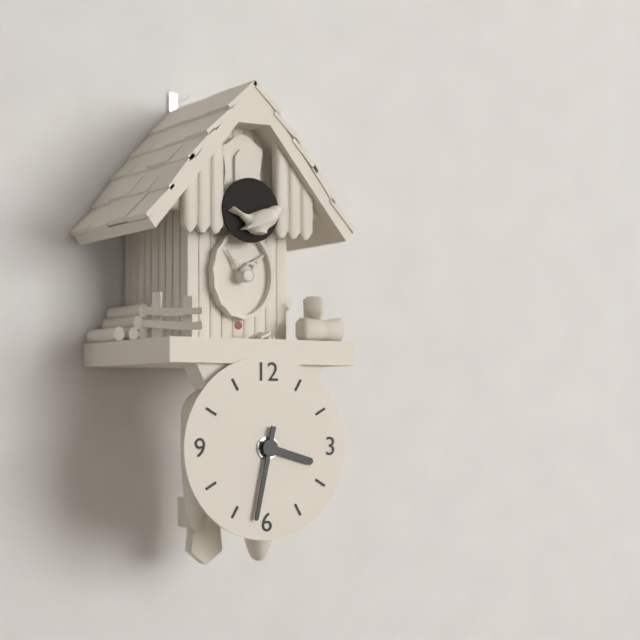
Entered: 3.32
